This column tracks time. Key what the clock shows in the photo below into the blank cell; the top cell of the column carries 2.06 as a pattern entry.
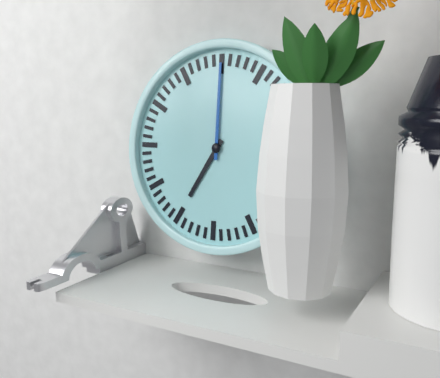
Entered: 7.00
